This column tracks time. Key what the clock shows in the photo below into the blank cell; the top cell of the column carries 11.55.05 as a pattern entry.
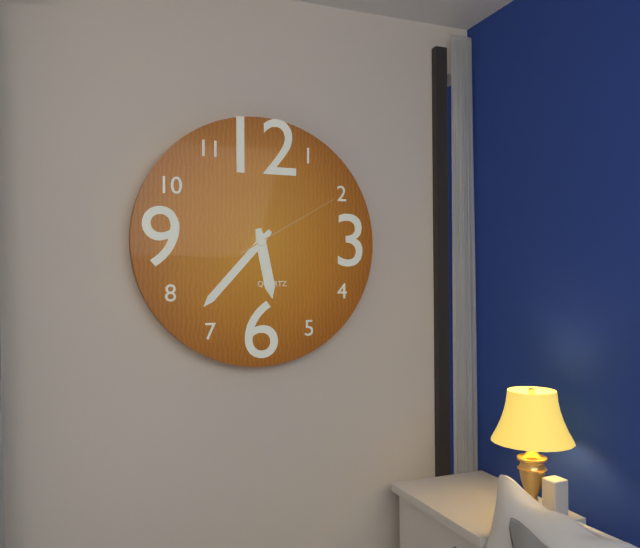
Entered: 5.37.10
